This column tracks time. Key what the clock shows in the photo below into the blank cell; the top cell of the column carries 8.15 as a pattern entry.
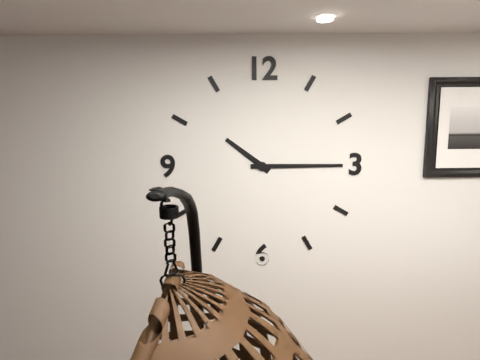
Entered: 10.15
